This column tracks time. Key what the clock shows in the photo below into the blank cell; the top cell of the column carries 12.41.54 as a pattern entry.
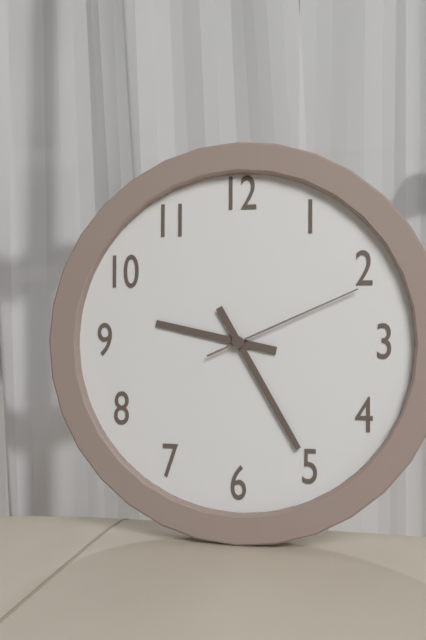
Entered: 9.25.11
